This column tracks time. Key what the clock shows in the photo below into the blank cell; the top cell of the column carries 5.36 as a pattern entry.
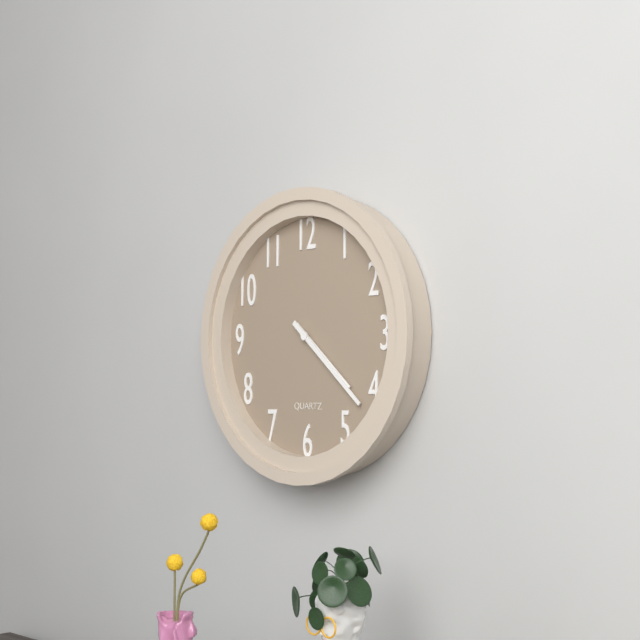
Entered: 4.22
